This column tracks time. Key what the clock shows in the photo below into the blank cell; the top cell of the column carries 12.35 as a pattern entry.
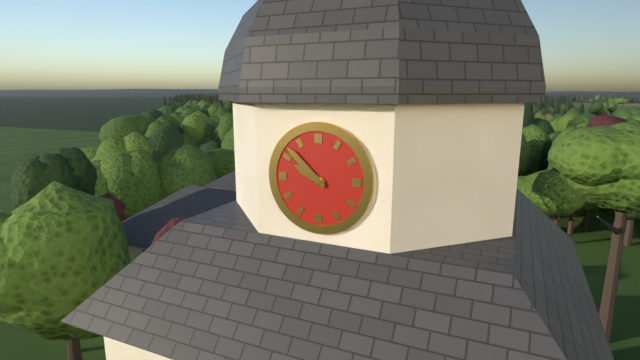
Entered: 9.52
